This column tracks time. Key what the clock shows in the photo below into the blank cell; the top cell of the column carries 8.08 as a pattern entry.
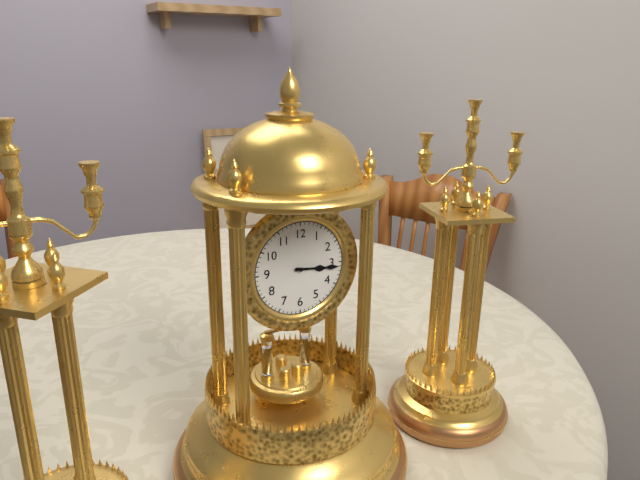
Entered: 3.16
